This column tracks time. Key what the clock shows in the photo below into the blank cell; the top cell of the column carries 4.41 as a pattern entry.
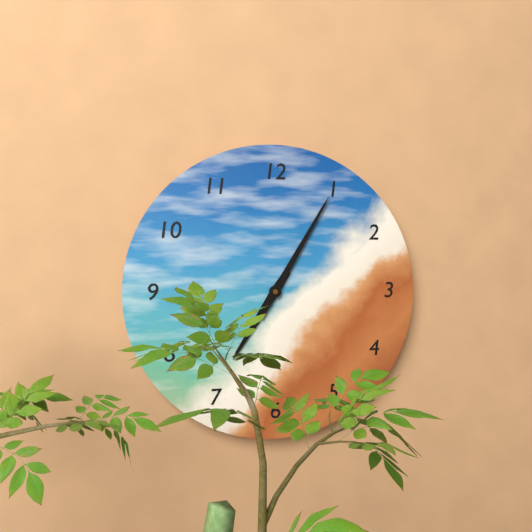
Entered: 7.05
